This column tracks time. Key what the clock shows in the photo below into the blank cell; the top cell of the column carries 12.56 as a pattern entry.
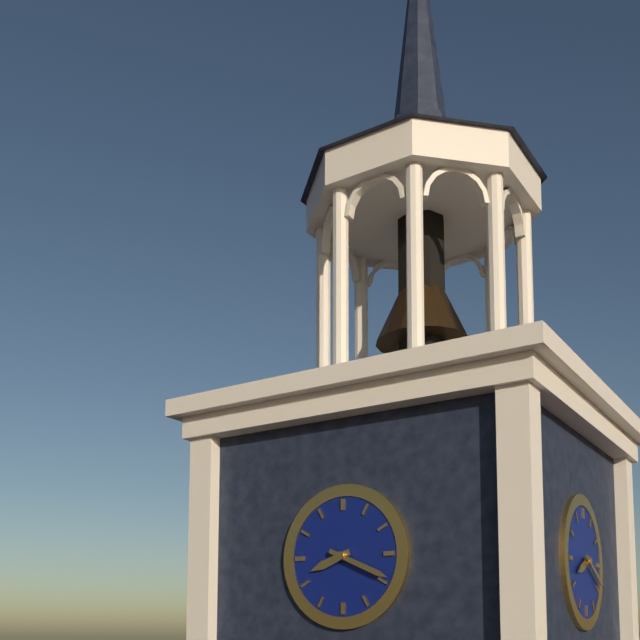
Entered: 8.19
